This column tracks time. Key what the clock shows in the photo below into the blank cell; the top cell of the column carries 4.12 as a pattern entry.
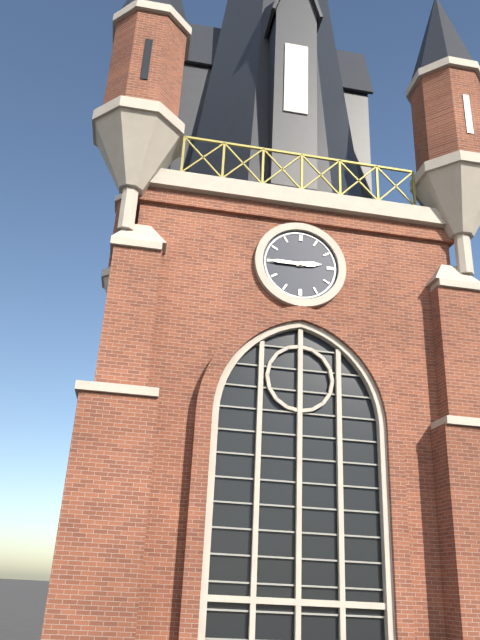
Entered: 2.45
